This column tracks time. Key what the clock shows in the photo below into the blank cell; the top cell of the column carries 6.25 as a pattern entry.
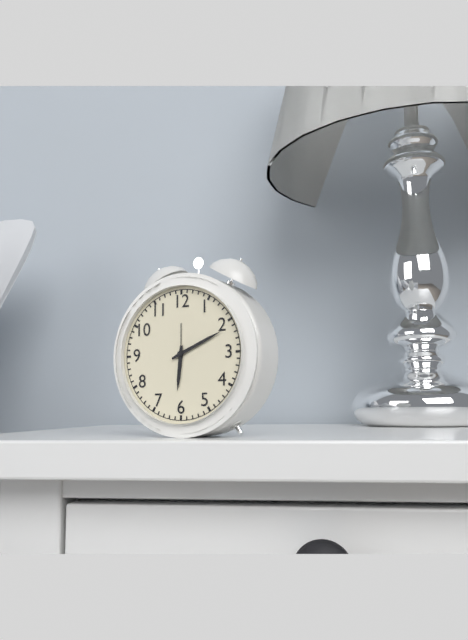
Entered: 6.11
